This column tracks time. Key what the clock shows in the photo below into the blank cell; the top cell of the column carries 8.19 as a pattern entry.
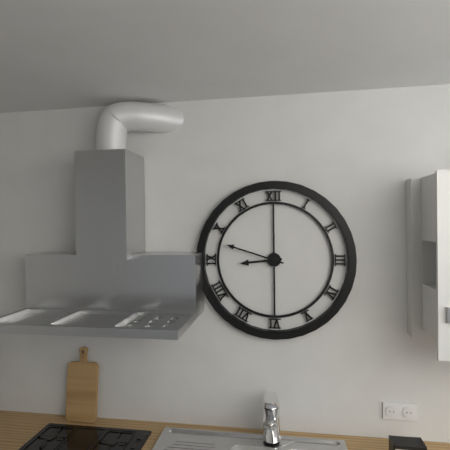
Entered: 8.48
